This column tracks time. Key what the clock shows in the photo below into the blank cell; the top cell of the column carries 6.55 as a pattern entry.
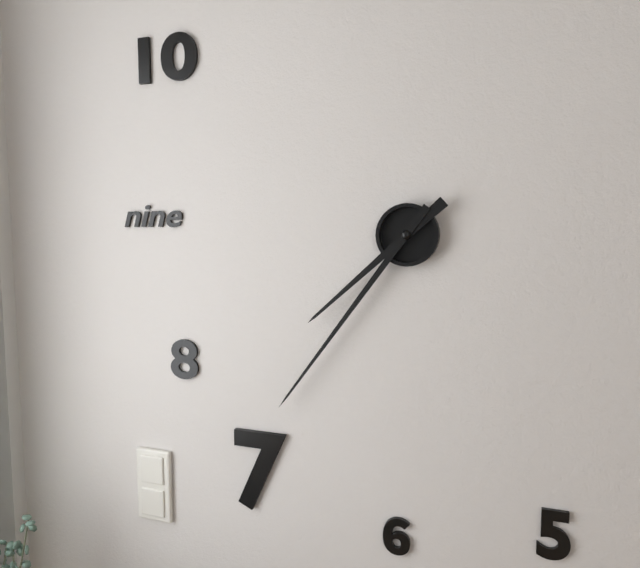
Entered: 7.36
